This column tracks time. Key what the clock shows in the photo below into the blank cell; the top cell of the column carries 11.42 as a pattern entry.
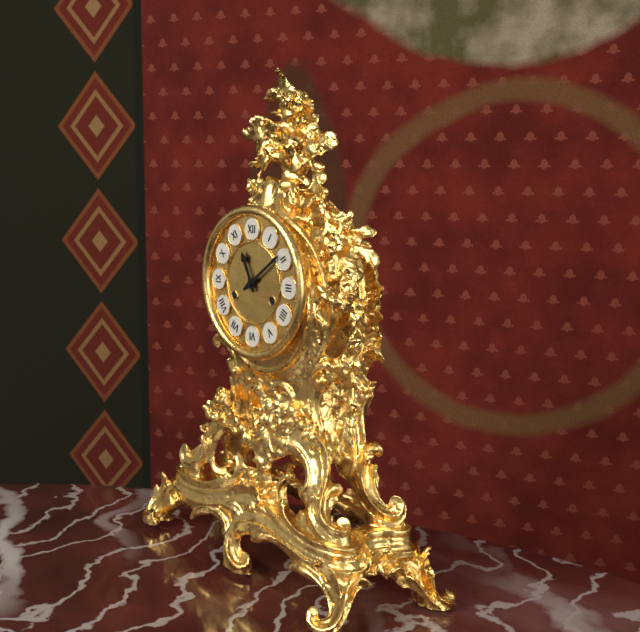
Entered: 11.09
